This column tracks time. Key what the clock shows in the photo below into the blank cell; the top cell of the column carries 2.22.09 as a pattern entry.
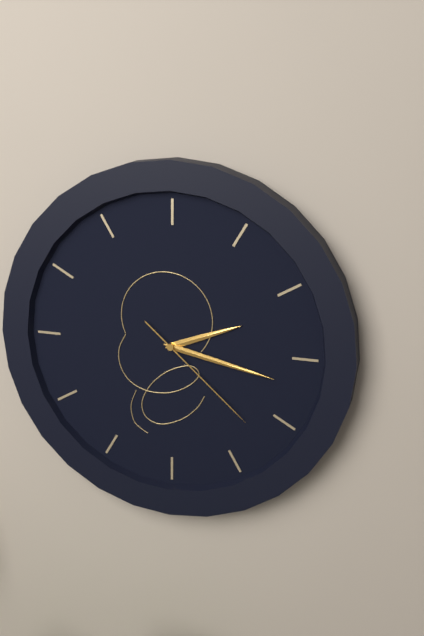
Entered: 2.17.22
